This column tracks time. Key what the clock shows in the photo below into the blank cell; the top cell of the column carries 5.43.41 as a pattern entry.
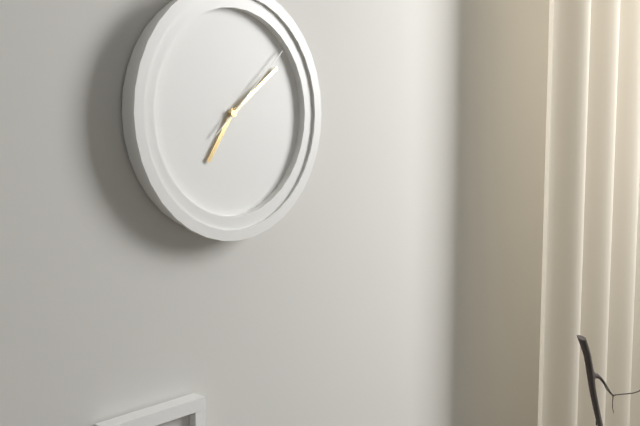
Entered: 7.09.08
